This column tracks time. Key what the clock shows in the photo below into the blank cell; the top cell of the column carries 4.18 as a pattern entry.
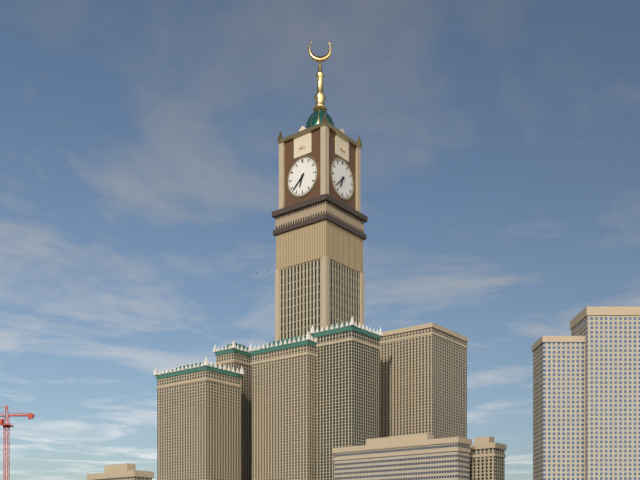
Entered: 6.38
